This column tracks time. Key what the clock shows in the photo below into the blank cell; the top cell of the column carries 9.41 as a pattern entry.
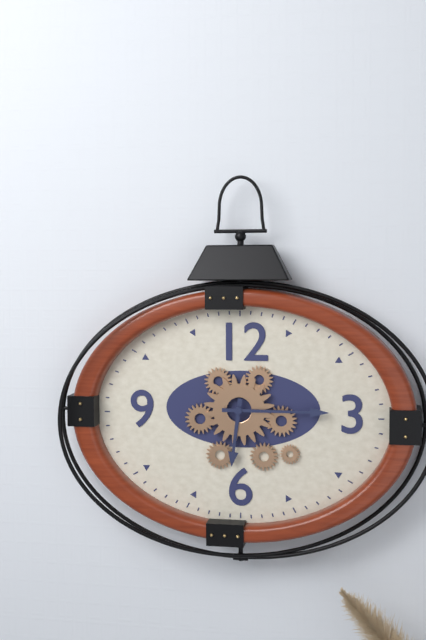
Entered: 6.15
